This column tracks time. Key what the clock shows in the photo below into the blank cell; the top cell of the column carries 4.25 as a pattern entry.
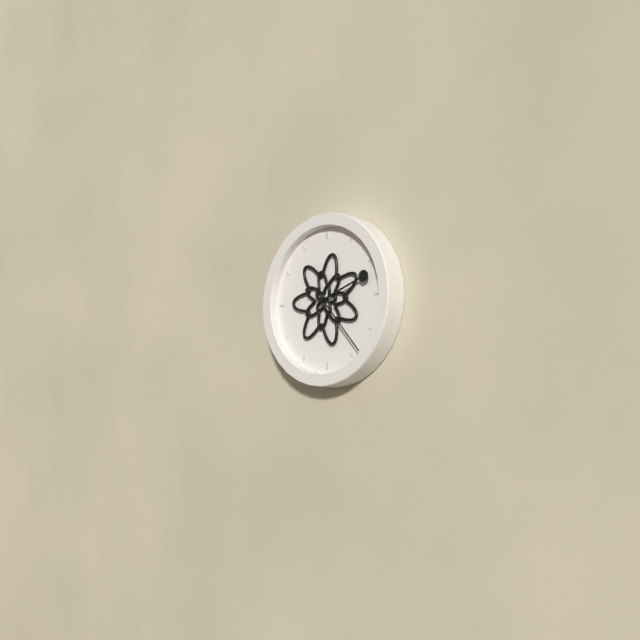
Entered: 2.23
